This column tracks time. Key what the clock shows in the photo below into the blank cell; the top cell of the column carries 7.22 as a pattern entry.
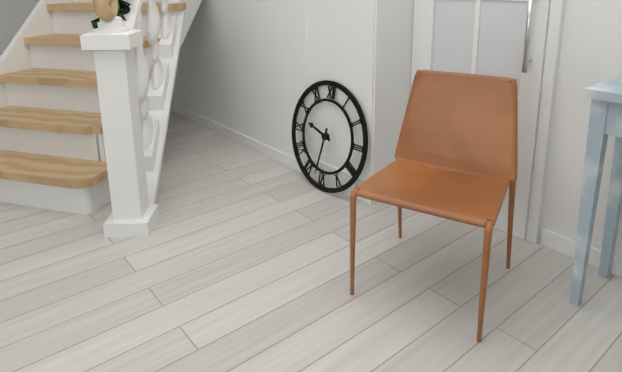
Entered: 9.32
